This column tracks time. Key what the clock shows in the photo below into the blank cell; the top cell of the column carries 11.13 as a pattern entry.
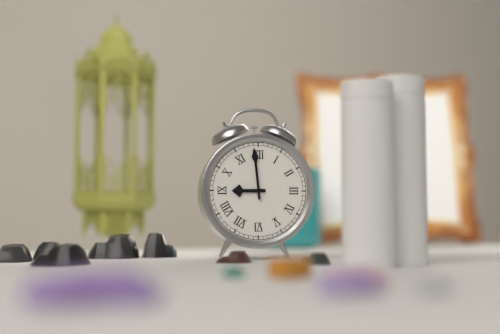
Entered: 8.59
